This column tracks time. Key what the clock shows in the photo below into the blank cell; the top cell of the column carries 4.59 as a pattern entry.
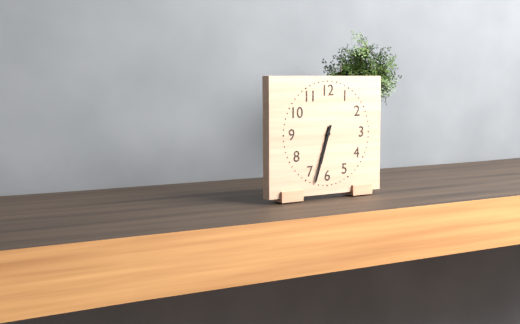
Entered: 6.33
